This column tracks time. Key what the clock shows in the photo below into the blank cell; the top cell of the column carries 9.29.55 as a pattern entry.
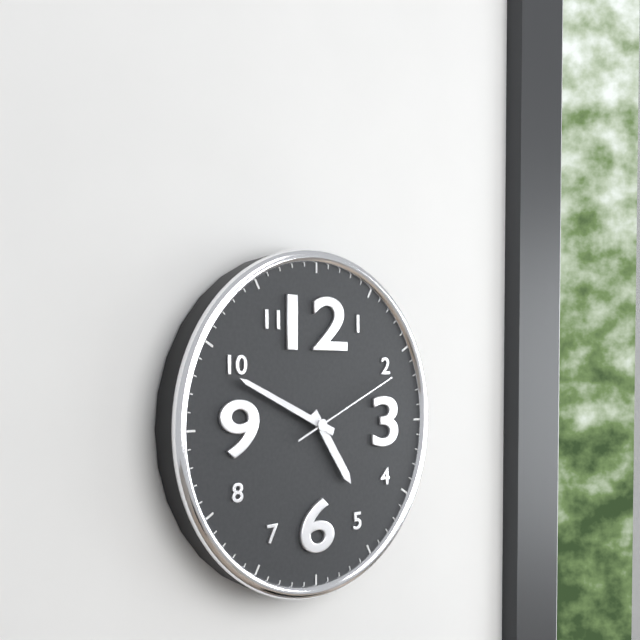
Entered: 4.49.11
